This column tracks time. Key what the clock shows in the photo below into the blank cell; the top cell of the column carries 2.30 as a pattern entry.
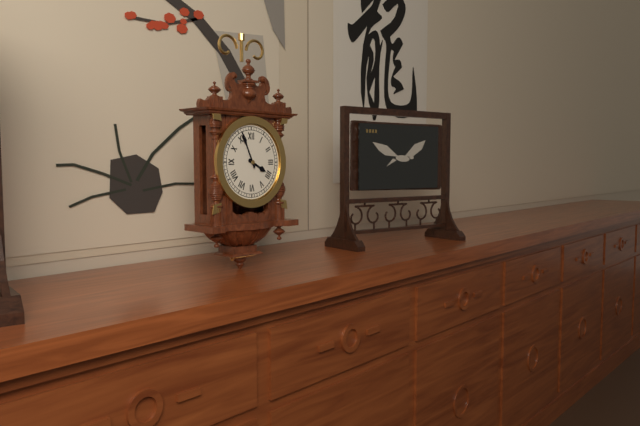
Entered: 3.56
